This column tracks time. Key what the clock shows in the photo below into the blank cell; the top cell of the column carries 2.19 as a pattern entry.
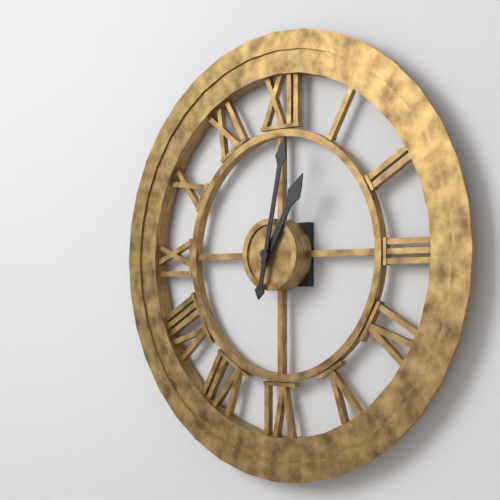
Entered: 1.02
